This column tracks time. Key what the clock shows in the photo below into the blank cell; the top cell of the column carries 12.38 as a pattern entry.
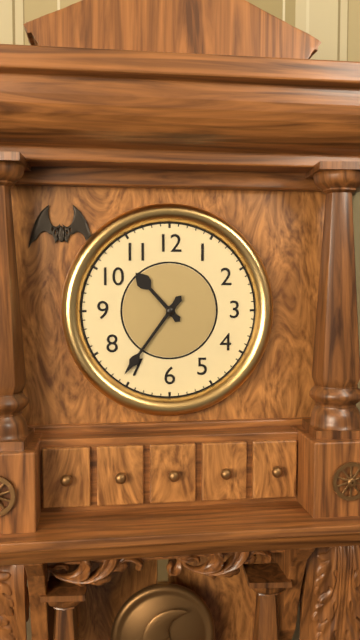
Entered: 10.36
